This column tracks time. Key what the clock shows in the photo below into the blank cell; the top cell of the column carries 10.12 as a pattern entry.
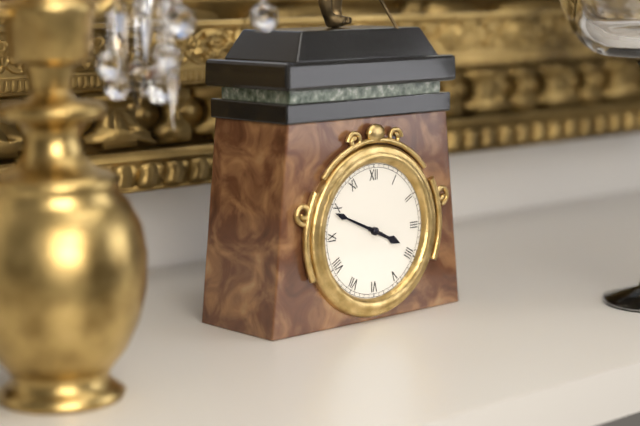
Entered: 3.49
